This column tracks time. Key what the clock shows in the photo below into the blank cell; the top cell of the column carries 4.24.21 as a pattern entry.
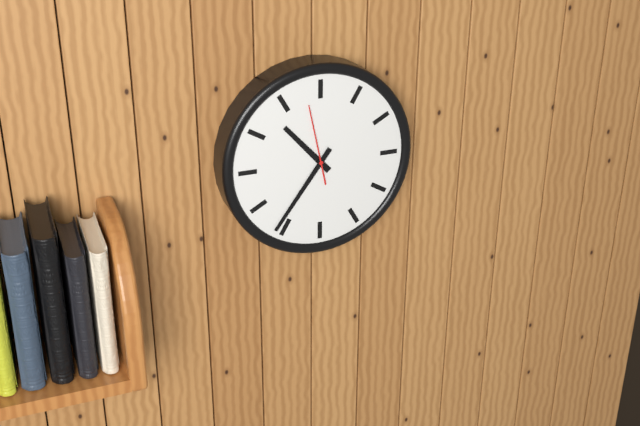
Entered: 10.36.58
